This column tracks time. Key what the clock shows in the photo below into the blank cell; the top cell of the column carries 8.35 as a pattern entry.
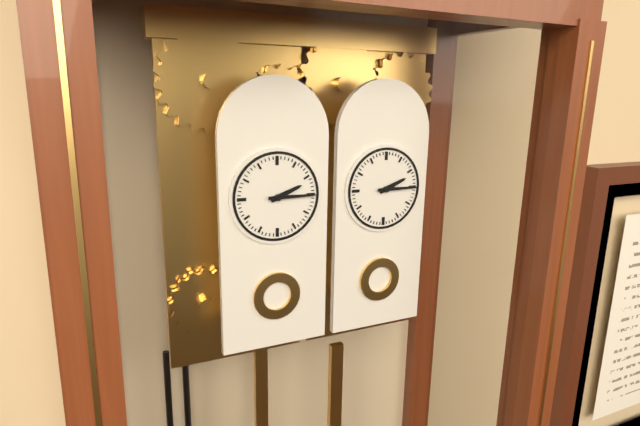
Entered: 2.15
